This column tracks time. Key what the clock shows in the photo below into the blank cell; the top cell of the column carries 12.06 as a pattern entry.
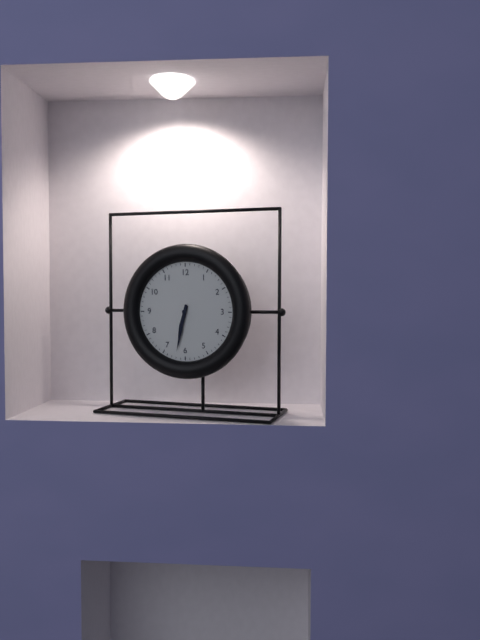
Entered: 6.32
